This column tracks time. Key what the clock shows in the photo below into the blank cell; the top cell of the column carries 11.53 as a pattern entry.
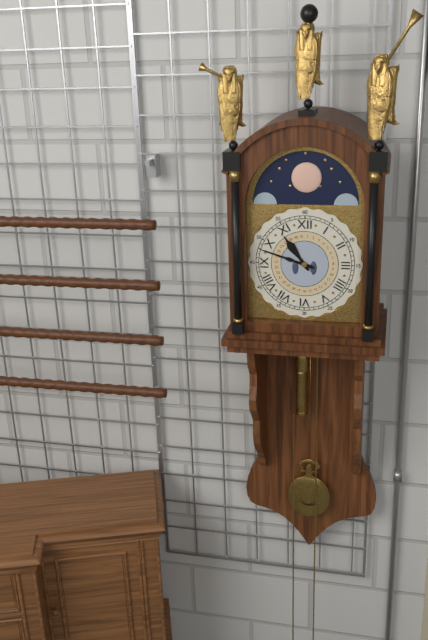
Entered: 10.48
